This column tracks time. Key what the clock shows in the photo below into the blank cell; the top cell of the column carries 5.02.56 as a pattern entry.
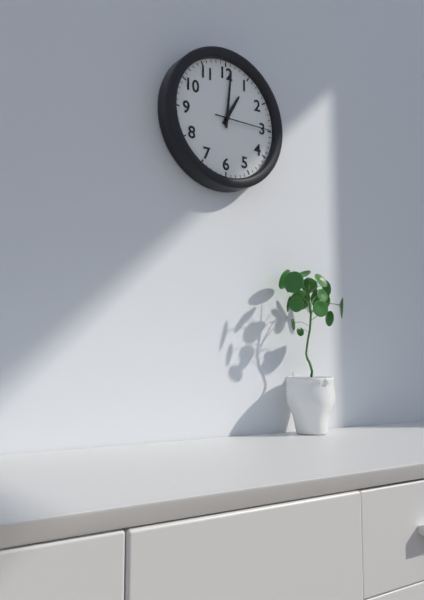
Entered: 1.01.15
